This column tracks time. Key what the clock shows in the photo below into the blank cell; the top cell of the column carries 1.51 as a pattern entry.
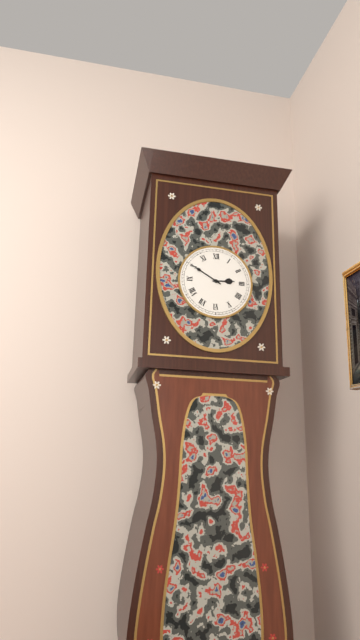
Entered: 2.50
